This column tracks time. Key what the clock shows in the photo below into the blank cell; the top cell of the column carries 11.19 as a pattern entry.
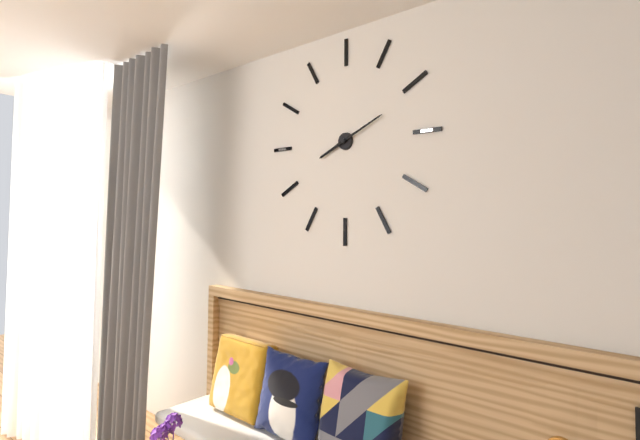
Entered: 8.11
